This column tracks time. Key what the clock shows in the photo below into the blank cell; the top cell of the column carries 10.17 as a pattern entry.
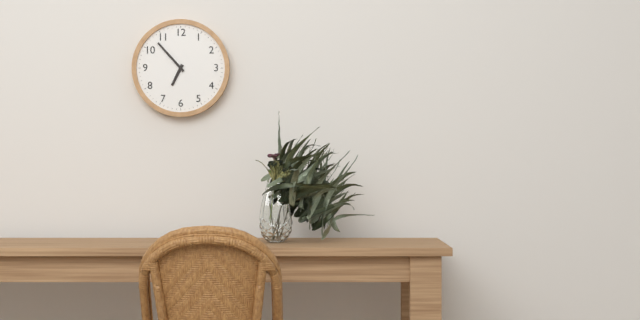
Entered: 6.53
